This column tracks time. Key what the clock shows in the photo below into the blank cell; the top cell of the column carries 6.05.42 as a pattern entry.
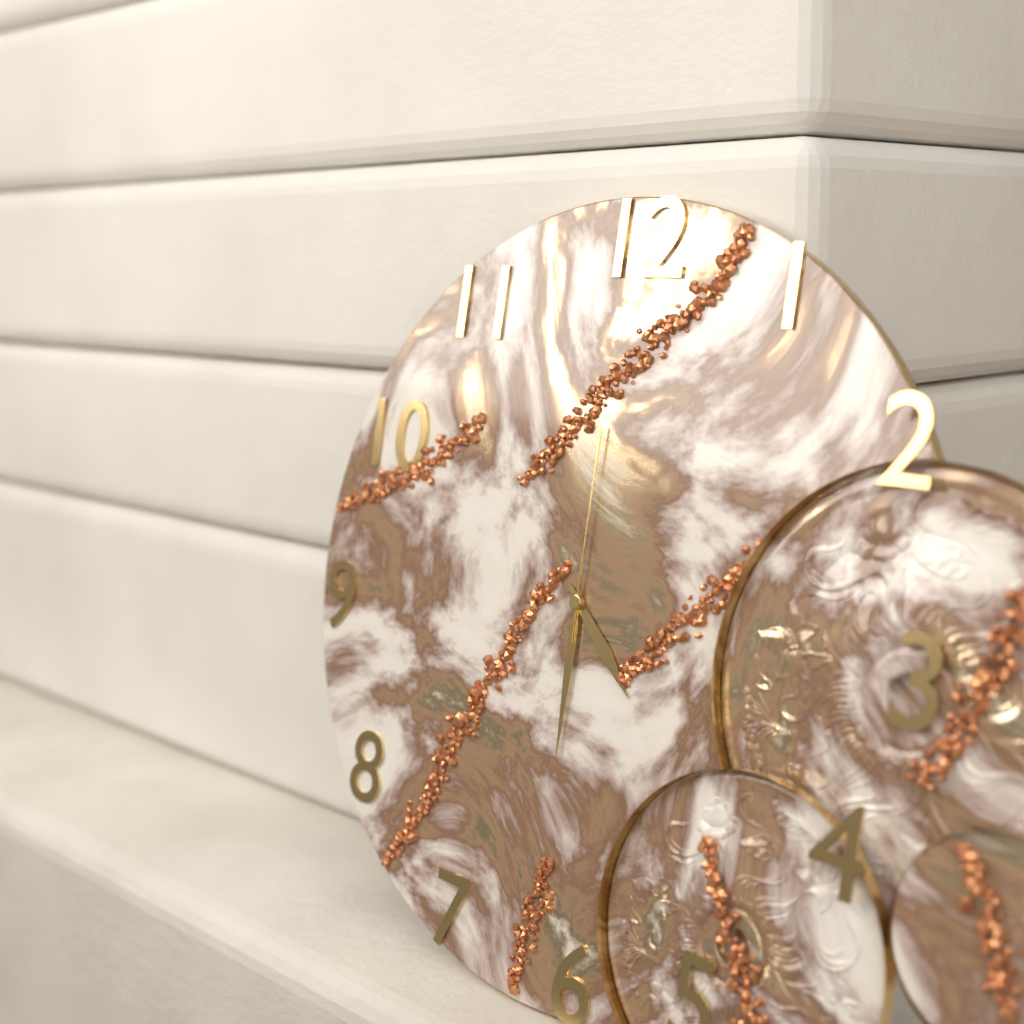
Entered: 4.30.00
